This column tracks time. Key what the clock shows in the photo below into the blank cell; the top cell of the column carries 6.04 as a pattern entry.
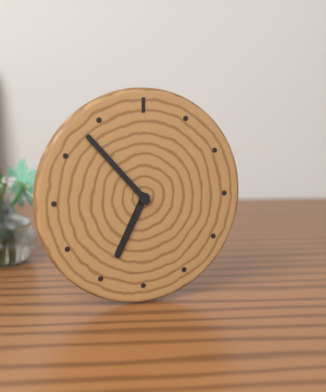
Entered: 6.53
